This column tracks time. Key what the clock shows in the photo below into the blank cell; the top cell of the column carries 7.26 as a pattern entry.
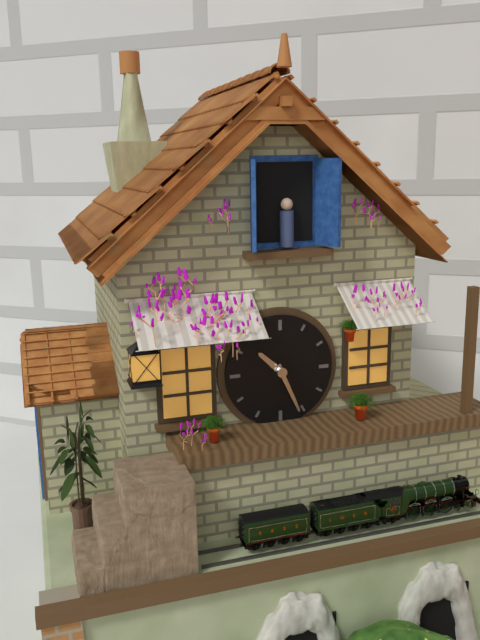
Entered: 10.26
